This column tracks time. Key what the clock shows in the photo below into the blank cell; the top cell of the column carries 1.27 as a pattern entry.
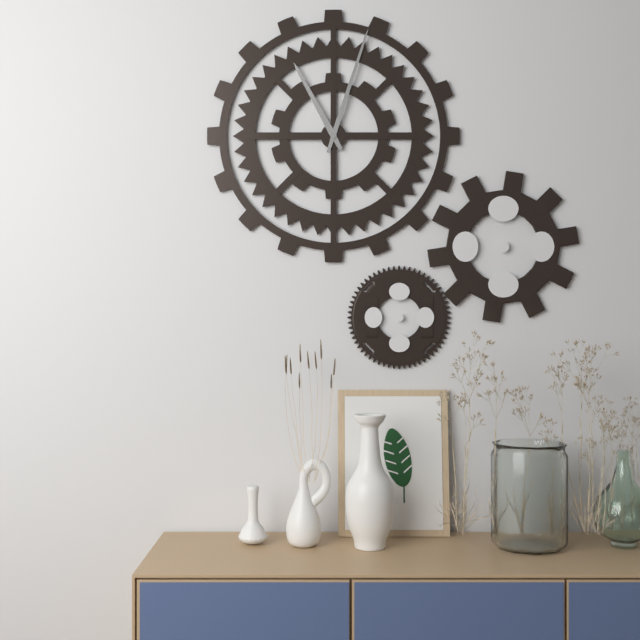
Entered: 11.03
